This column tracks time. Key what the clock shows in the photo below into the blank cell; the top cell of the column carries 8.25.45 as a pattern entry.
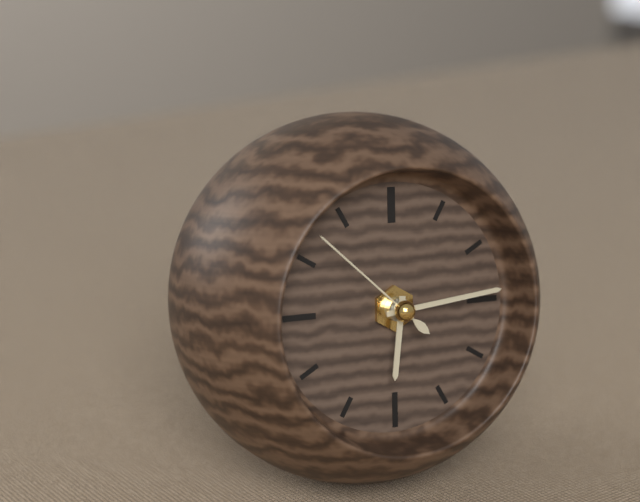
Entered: 6.14.52
